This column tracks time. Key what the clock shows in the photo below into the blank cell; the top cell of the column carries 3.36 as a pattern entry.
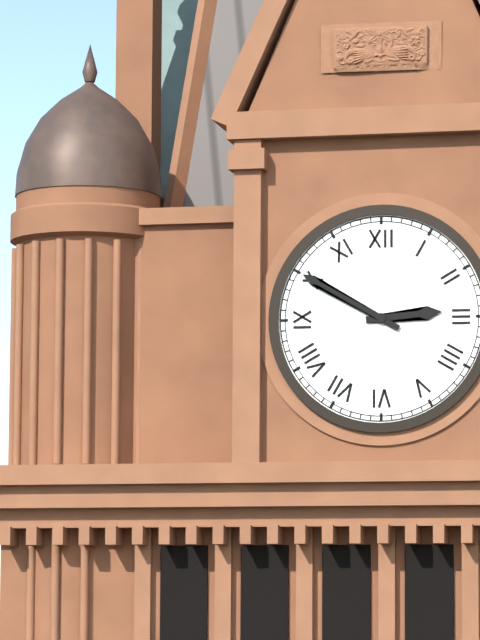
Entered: 2.50
